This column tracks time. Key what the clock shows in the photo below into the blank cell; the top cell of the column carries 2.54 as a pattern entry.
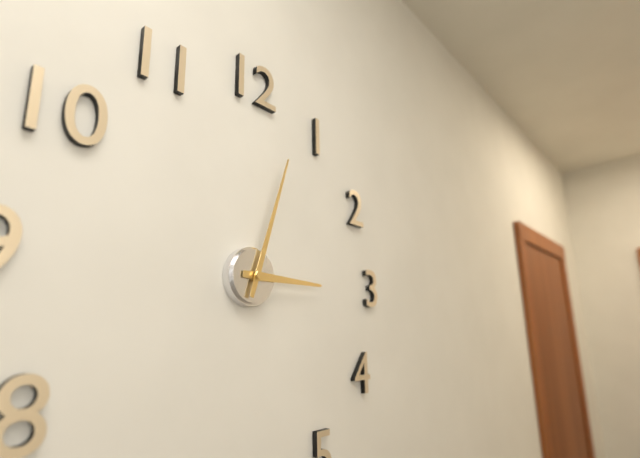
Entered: 3.03
